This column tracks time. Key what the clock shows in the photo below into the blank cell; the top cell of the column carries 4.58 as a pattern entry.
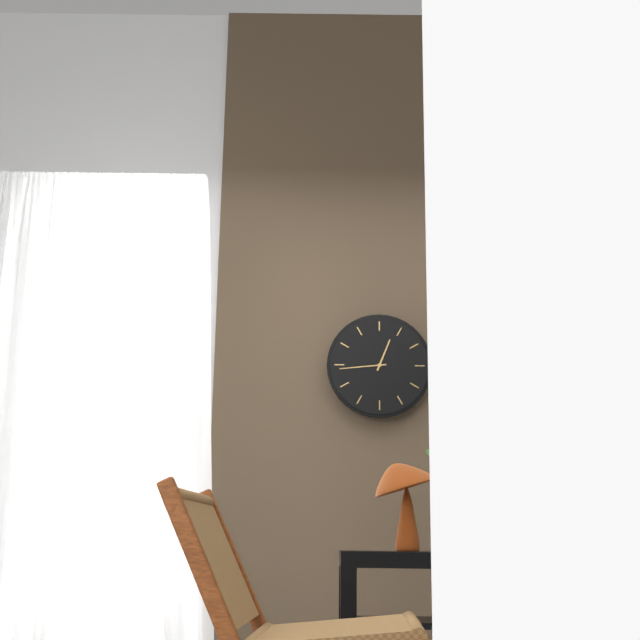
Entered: 12.44
